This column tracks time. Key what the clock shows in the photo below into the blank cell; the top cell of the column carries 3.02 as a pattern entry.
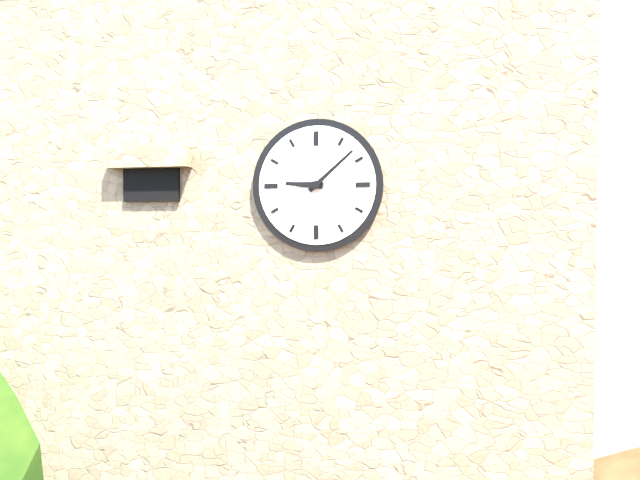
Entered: 9.08
